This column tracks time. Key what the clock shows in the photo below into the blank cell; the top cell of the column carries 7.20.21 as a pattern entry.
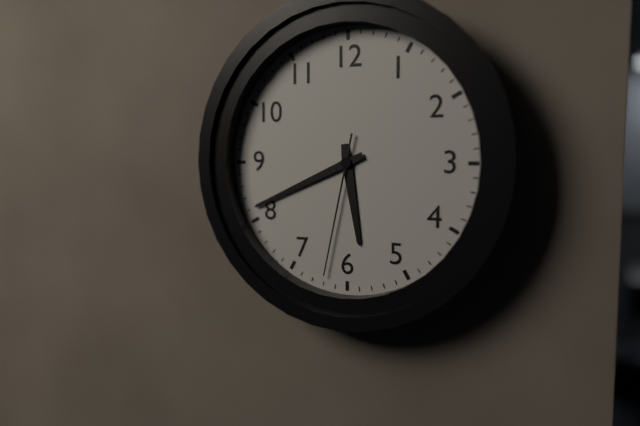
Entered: 5.41.32
